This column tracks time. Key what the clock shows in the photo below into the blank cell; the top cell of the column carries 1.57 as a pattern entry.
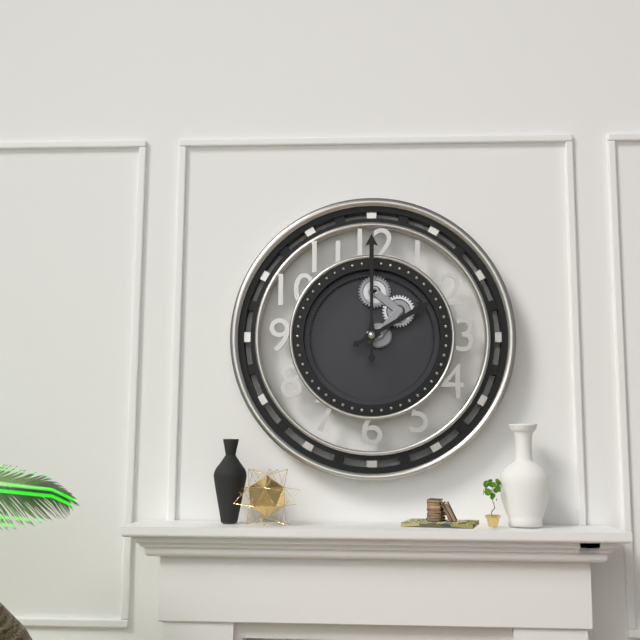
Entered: 2.00
